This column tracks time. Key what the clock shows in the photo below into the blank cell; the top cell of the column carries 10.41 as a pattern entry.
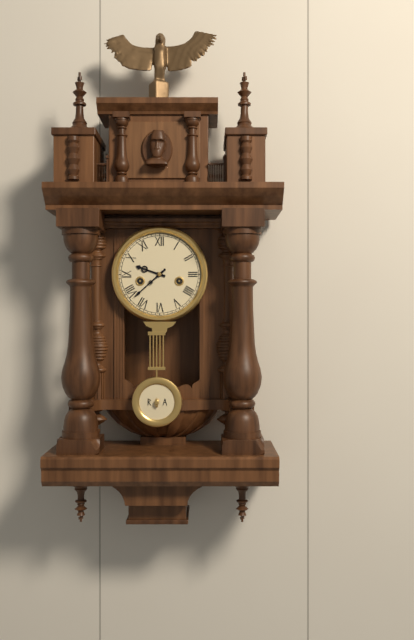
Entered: 9.38
